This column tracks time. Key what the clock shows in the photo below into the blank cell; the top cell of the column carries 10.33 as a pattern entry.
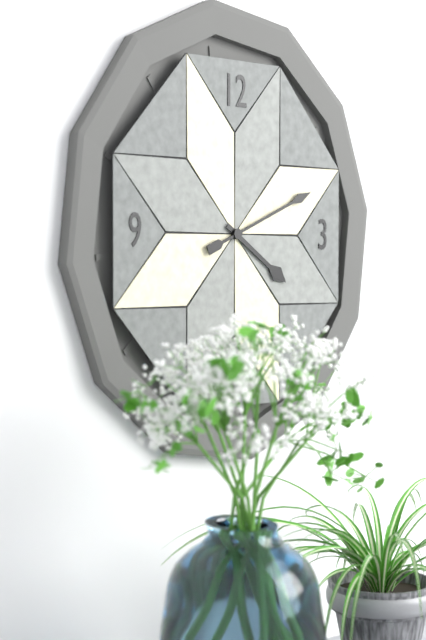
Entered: 4.11
